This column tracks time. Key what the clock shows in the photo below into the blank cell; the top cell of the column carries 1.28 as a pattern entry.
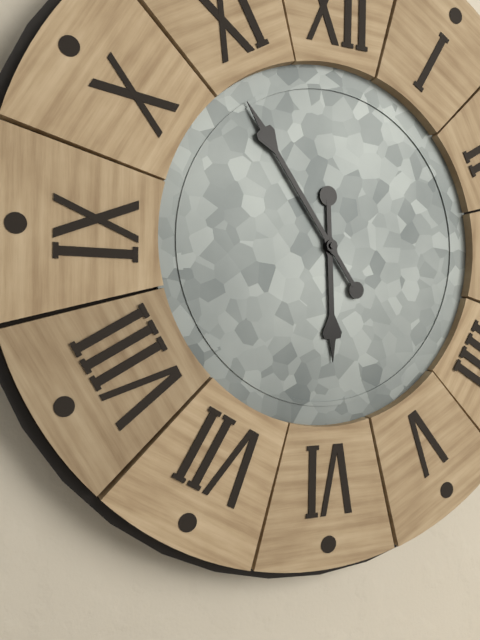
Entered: 5.54
